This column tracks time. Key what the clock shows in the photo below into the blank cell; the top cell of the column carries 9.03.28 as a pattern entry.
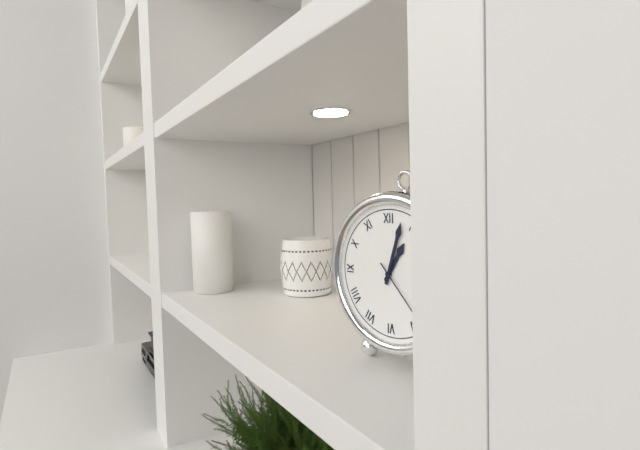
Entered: 1.03.23
